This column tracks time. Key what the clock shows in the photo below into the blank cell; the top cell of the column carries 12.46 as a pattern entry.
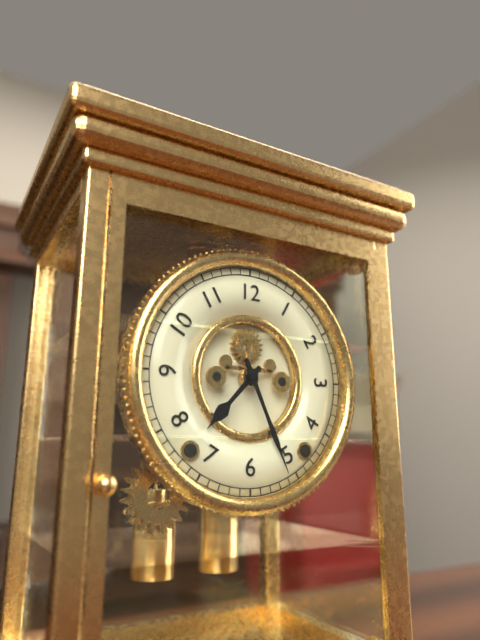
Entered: 7.26
